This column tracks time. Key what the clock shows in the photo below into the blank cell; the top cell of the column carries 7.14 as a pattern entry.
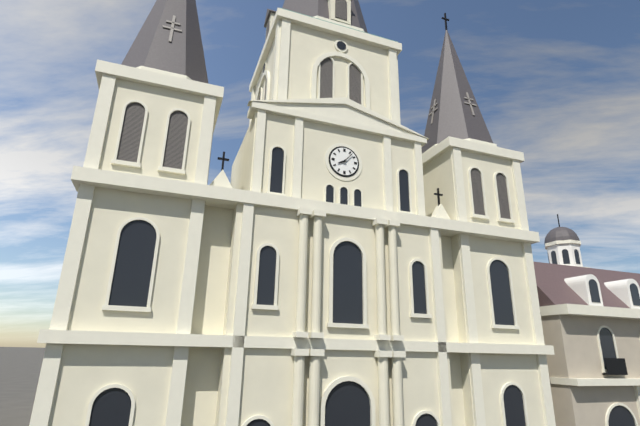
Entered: 8.07
